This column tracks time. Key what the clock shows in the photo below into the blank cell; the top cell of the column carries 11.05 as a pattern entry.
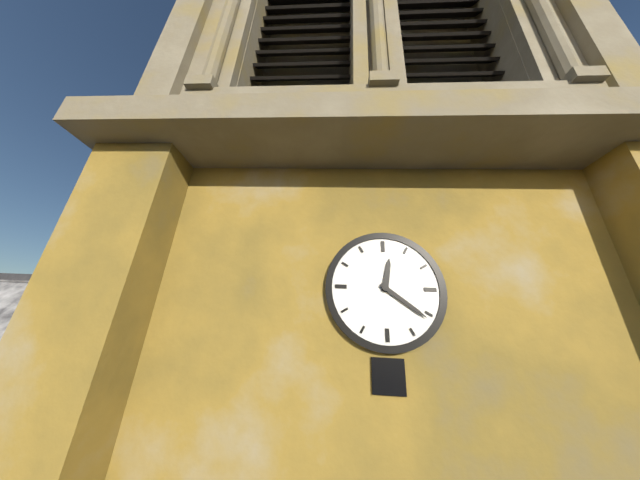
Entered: 12.21
